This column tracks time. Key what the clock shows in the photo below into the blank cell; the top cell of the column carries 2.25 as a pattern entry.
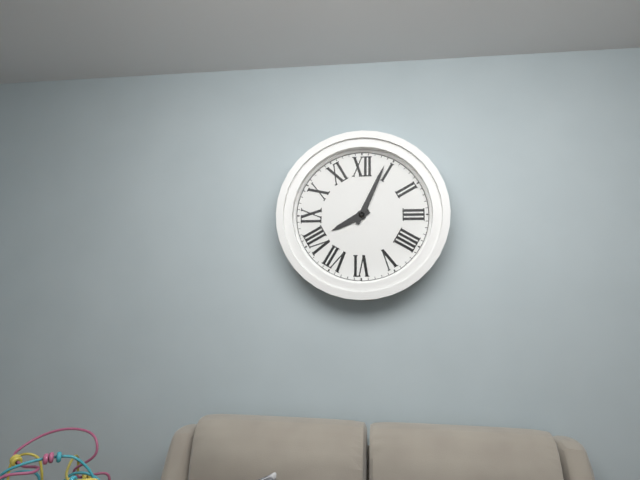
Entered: 8.04
